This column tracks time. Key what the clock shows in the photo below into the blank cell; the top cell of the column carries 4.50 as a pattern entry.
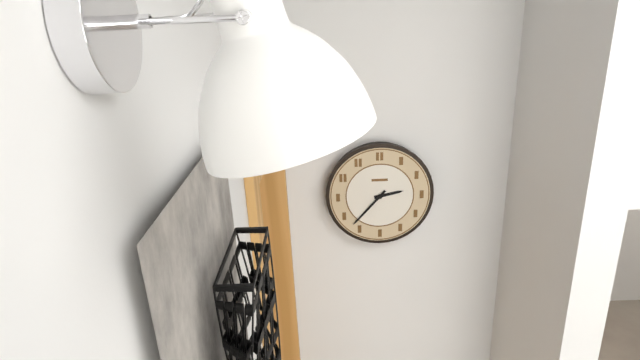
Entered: 2.37
